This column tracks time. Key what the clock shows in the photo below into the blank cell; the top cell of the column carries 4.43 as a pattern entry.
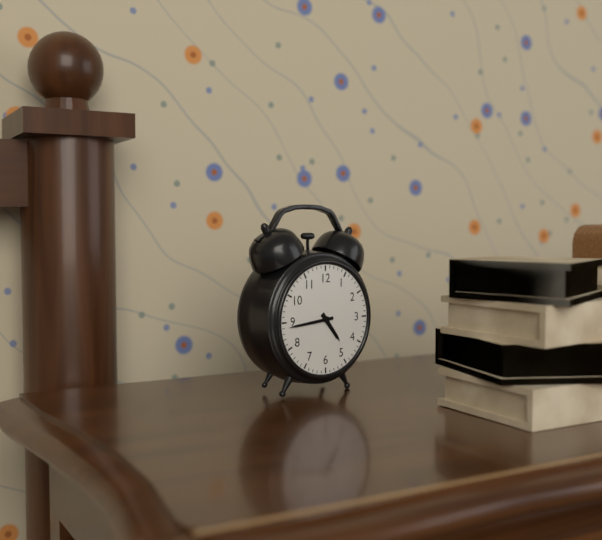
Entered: 4.44
